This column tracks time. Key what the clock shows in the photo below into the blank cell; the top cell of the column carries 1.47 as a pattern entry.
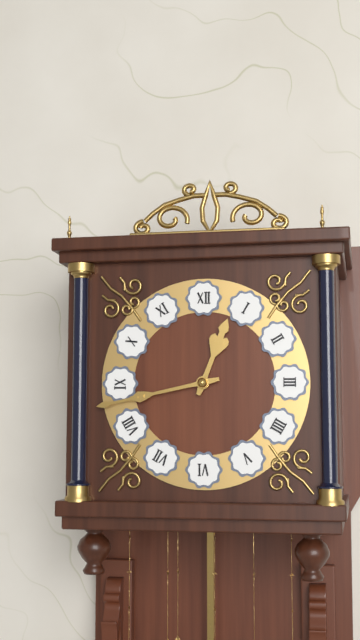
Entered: 12.43
